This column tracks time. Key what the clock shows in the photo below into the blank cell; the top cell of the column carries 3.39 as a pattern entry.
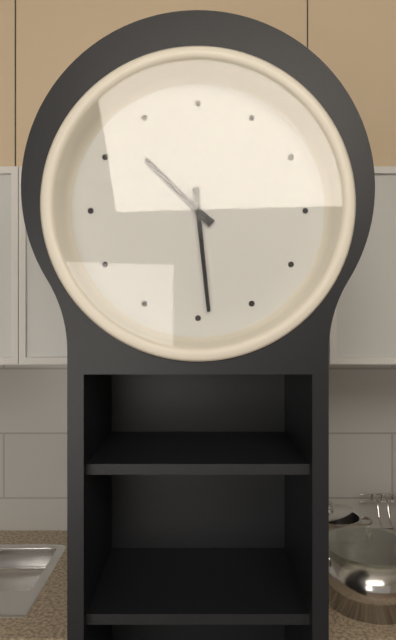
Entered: 10.29
